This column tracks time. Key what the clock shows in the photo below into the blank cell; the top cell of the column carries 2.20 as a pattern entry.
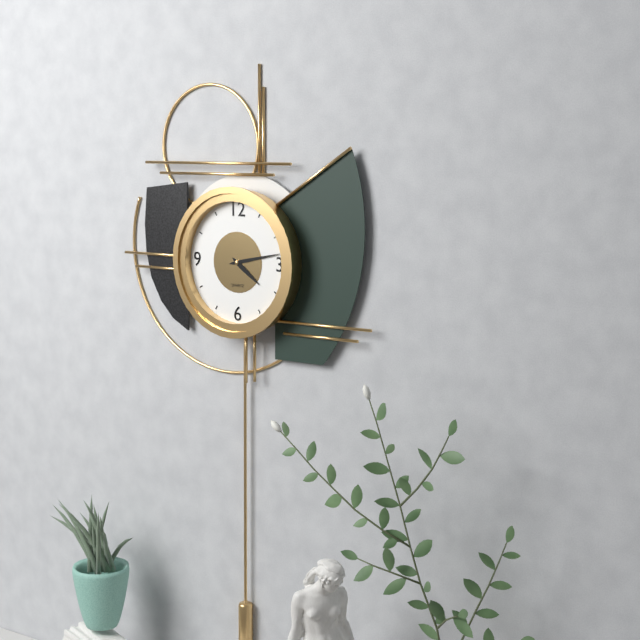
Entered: 4.13
